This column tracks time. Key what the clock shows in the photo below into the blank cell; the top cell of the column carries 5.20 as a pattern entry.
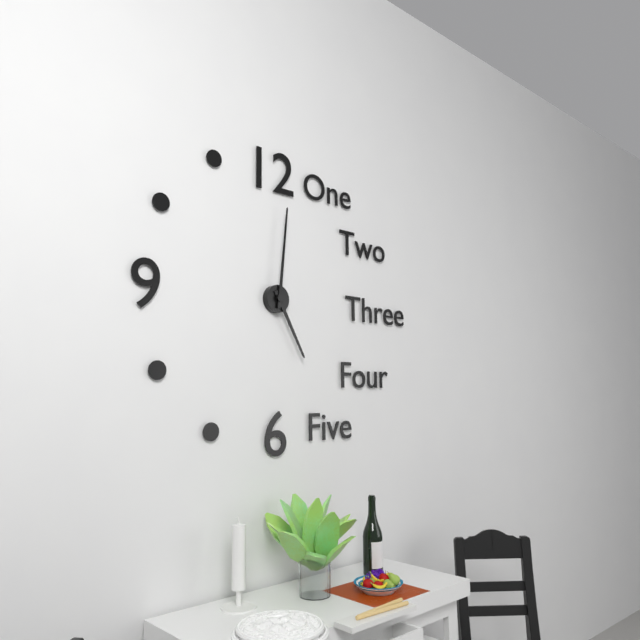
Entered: 5.01
